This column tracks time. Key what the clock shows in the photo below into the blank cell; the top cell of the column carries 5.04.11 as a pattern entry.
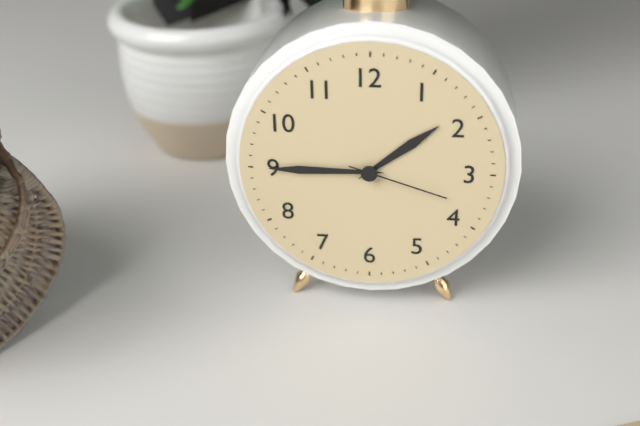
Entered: 1.45.18
